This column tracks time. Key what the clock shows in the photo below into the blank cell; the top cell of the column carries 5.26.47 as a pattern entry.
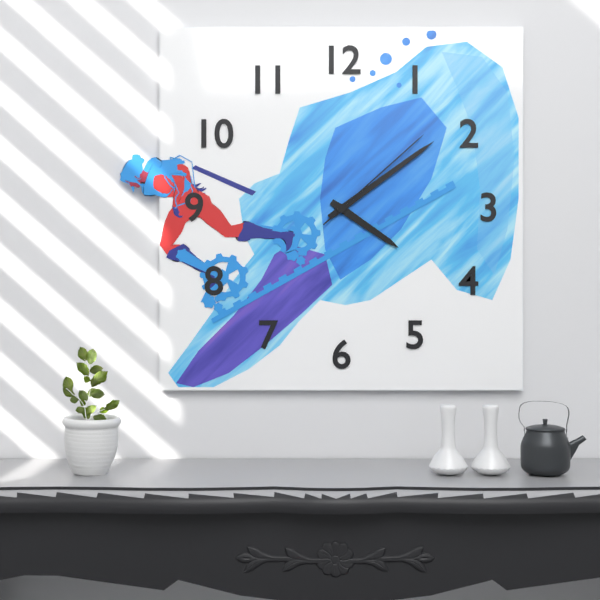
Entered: 4.09.08
